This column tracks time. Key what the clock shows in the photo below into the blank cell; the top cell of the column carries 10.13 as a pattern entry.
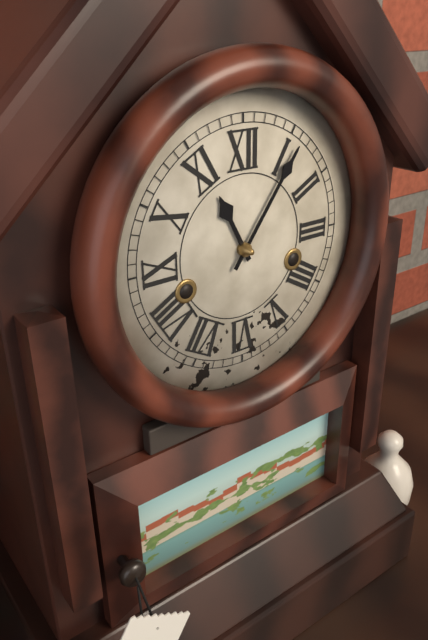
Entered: 11.06
